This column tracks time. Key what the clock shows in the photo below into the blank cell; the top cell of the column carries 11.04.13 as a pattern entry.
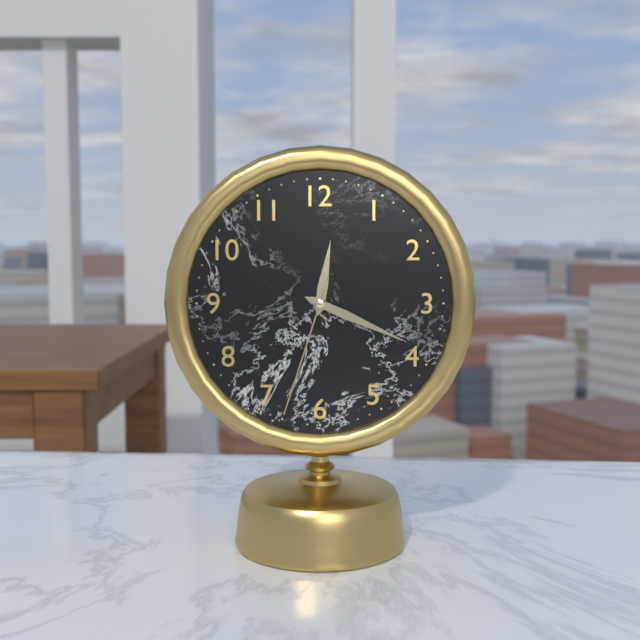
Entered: 12.19.33
